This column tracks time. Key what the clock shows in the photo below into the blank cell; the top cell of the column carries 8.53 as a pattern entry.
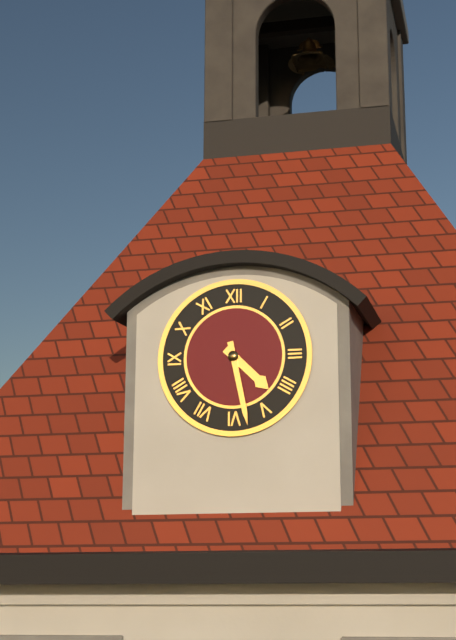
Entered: 4.28
